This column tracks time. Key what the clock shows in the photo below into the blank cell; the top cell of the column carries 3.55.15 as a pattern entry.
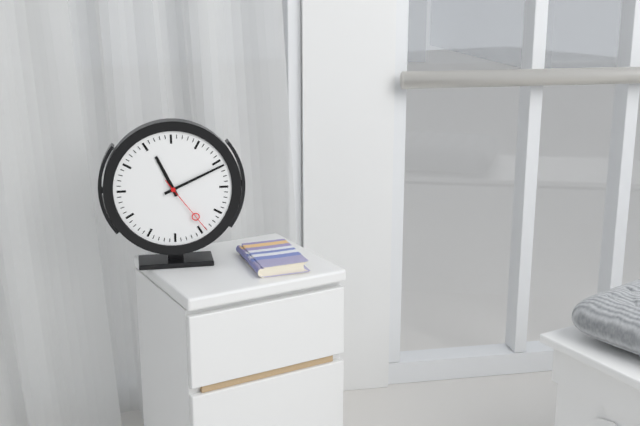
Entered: 11.11.24
